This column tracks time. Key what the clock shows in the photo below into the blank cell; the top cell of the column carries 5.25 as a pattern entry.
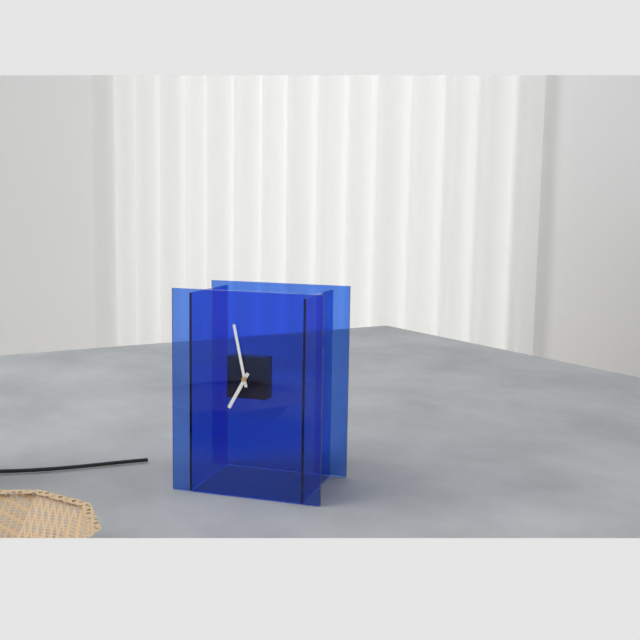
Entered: 6.58
